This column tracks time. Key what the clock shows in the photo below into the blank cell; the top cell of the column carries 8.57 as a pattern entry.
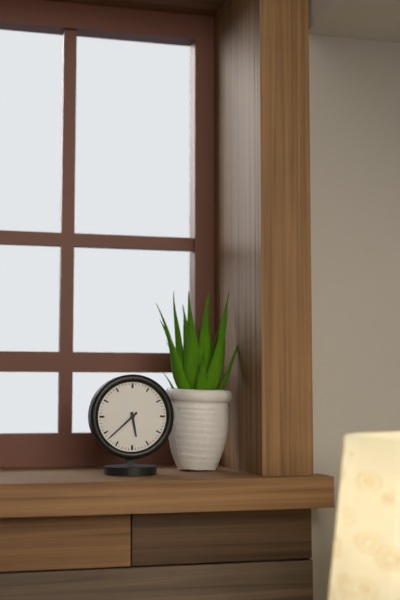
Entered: 5.38
